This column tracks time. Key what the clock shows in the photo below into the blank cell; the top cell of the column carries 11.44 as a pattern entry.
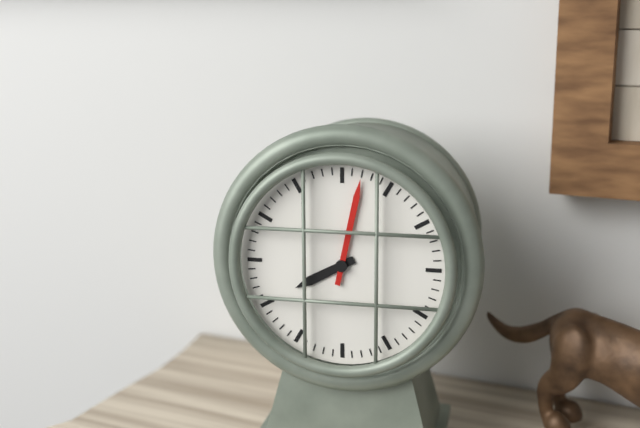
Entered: 8.02
